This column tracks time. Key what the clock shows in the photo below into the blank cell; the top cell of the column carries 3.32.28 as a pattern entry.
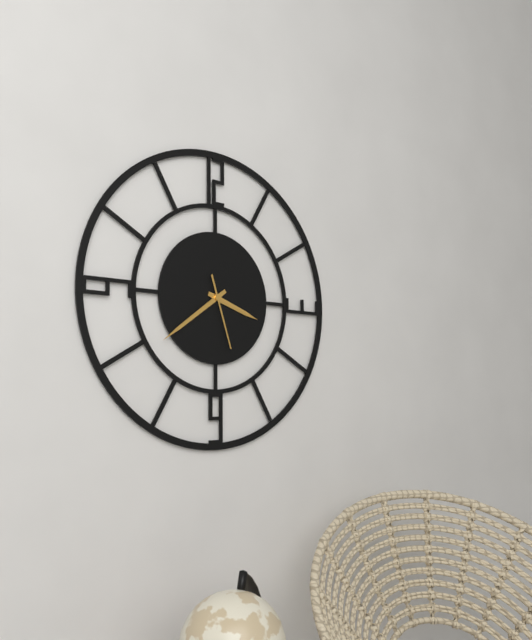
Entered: 3.39.27
